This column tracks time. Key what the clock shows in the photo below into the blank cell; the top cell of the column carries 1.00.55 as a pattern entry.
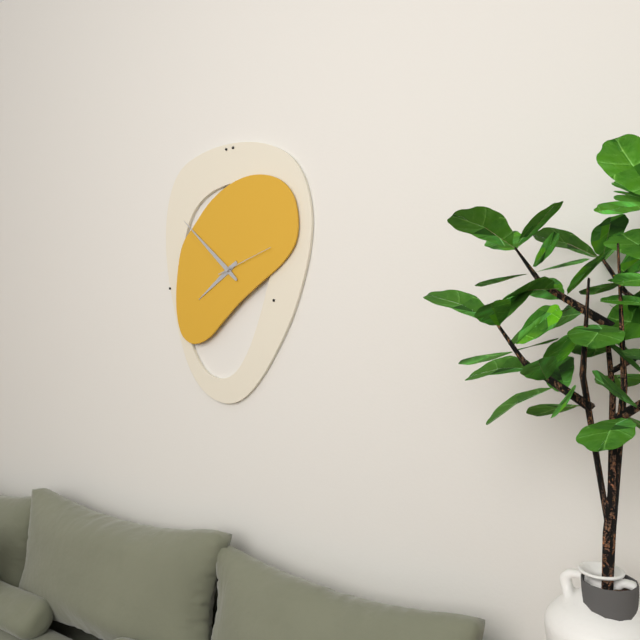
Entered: 7.52.12
